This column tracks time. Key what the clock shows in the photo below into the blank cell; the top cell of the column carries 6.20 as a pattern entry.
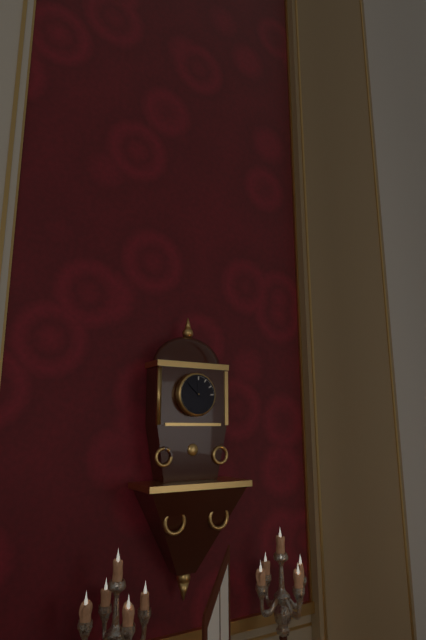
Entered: 11.52
